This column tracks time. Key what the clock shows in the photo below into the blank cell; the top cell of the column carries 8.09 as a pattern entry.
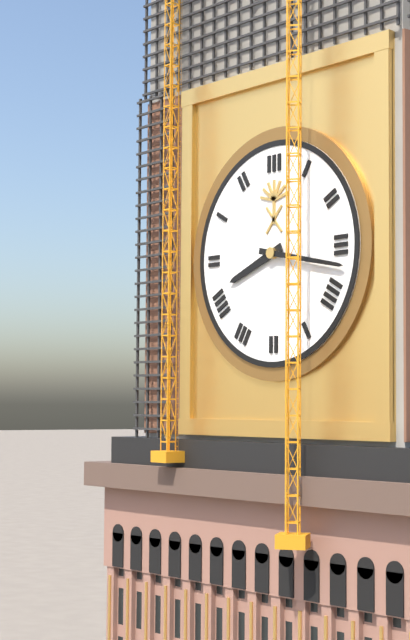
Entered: 8.17
